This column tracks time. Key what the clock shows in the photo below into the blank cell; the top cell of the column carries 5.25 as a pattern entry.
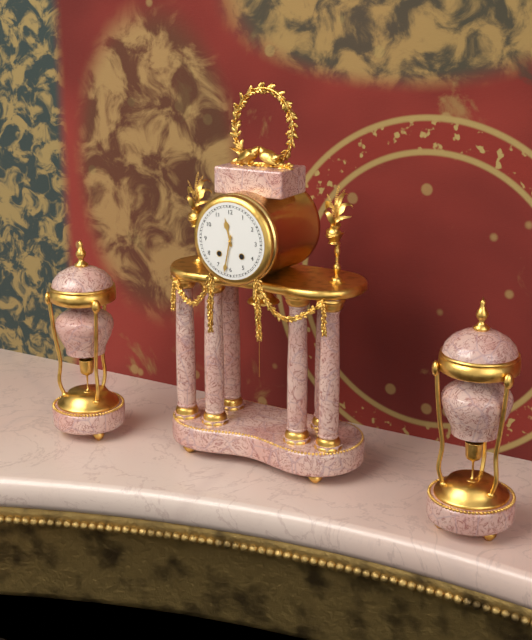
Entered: 11.32
